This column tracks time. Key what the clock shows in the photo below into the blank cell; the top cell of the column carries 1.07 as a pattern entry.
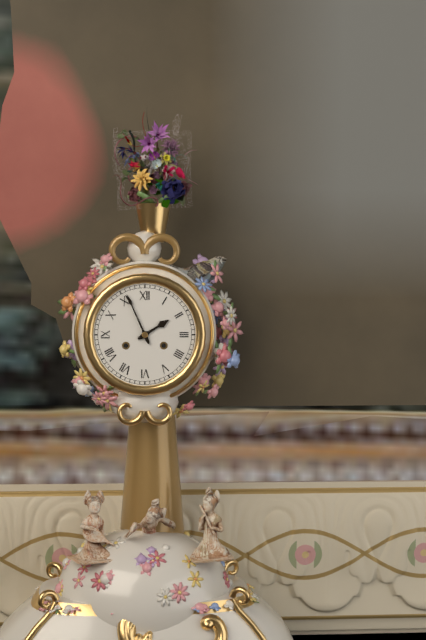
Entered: 1.56
